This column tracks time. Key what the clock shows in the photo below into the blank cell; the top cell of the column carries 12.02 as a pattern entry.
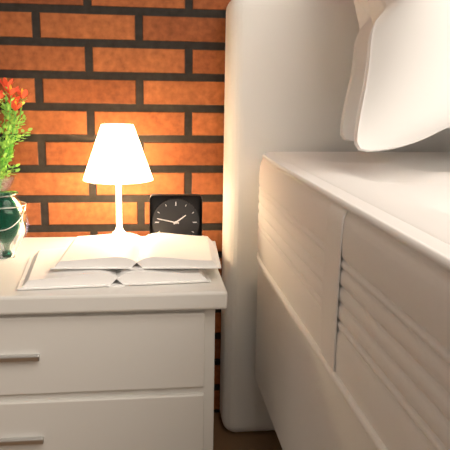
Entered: 1.47
